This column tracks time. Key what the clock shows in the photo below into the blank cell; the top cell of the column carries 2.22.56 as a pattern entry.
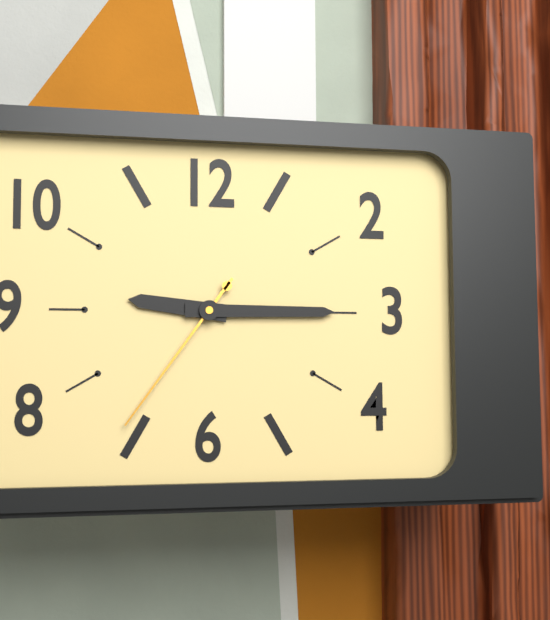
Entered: 9.15.36
